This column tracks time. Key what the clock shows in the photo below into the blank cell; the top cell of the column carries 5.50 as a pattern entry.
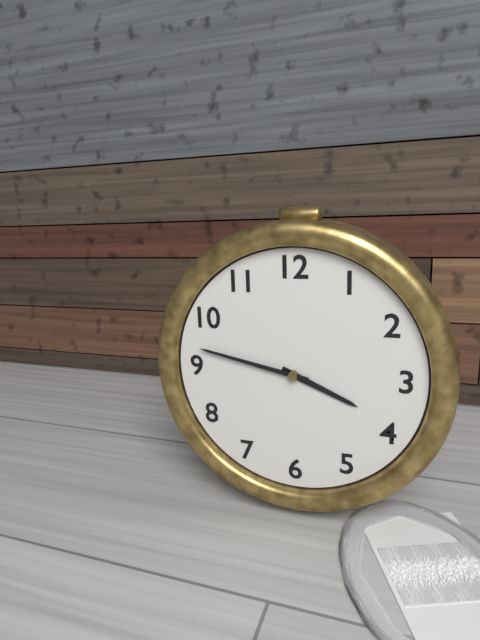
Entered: 3.47
